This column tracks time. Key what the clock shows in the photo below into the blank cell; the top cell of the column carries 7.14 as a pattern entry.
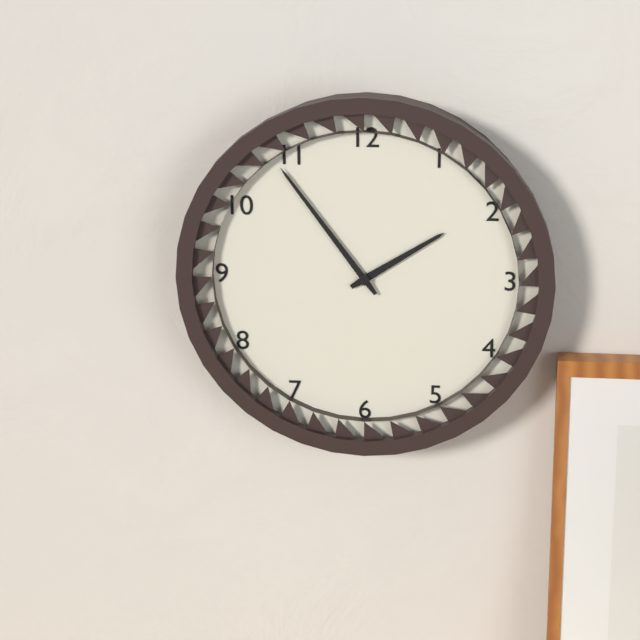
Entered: 1.54
